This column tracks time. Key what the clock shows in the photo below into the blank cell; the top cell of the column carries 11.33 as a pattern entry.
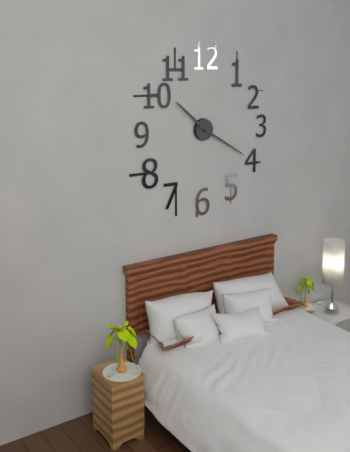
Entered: 10.20
